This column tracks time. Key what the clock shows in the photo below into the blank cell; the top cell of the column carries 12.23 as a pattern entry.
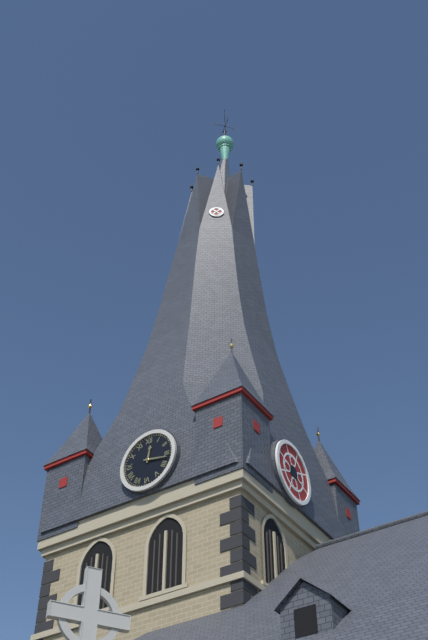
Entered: 12.17
